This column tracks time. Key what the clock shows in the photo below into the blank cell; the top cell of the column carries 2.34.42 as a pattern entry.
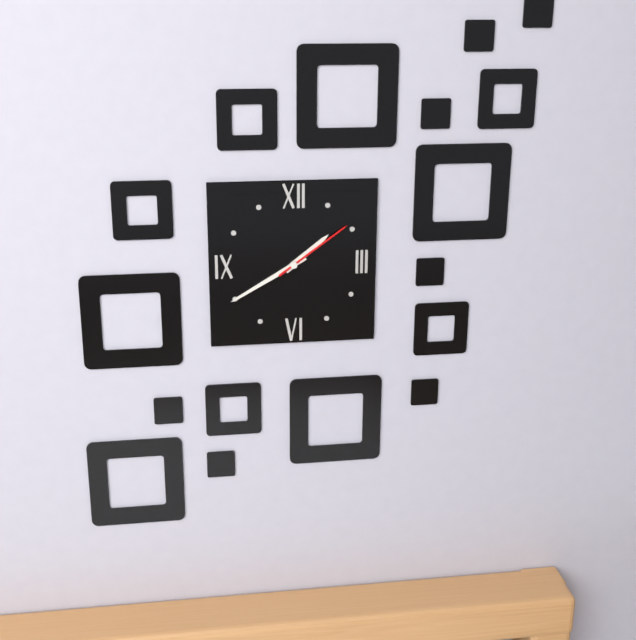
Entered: 1.40.09
